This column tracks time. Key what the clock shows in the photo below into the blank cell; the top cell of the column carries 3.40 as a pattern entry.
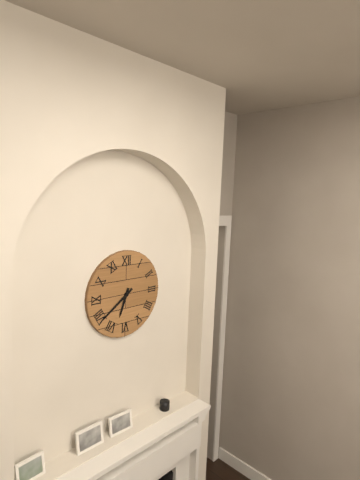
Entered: 6.39
